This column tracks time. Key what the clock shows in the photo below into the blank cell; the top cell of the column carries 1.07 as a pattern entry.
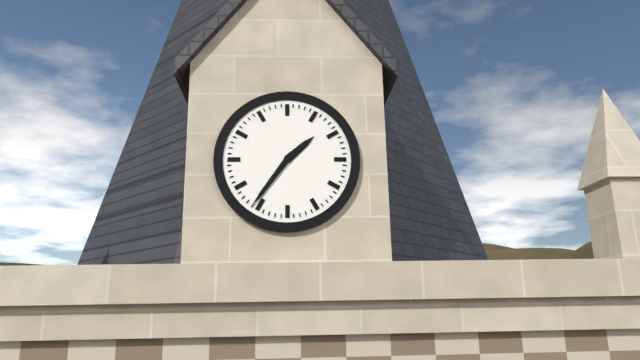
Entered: 1.36
